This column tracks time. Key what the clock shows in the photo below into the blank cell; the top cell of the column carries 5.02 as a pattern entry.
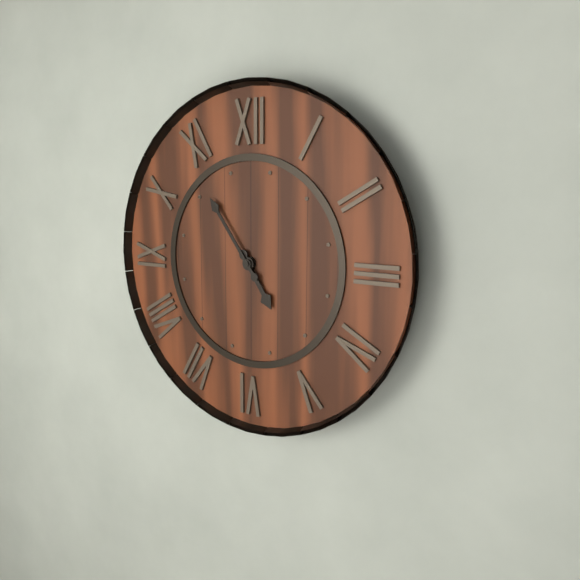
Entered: 4.54
